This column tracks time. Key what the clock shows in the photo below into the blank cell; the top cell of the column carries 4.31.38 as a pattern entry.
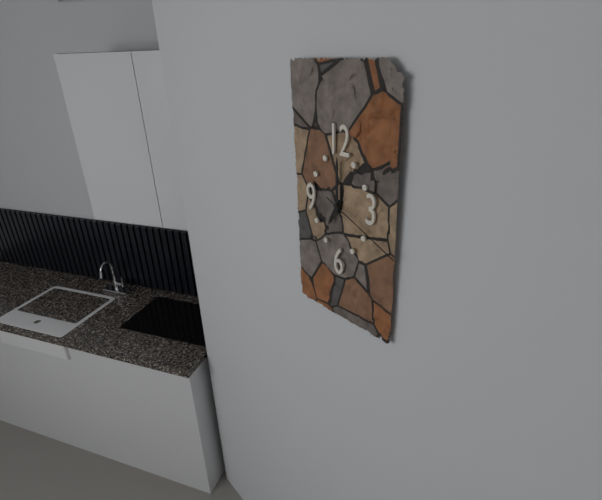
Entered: 7.00.19
